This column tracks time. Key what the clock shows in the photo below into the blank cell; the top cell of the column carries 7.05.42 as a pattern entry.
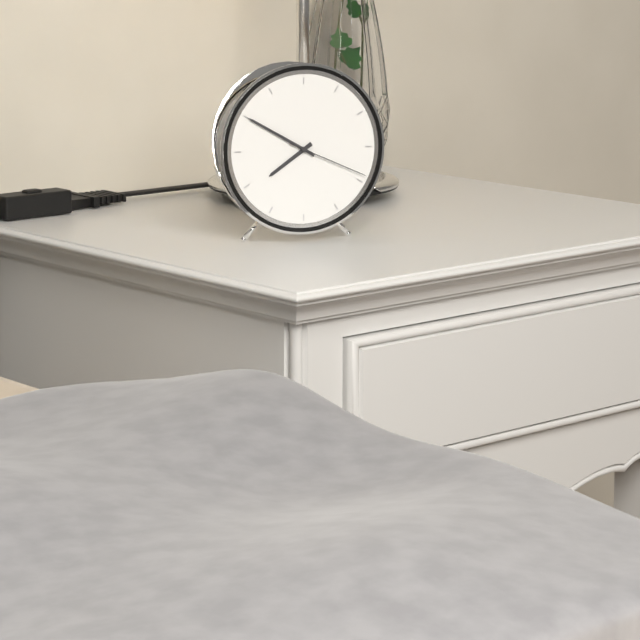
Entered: 7.50.19
